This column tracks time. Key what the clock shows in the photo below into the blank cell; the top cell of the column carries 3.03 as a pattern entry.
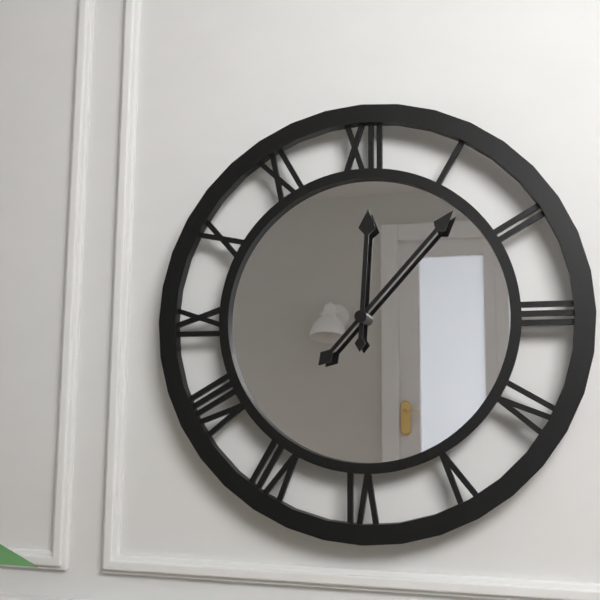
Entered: 12.07
